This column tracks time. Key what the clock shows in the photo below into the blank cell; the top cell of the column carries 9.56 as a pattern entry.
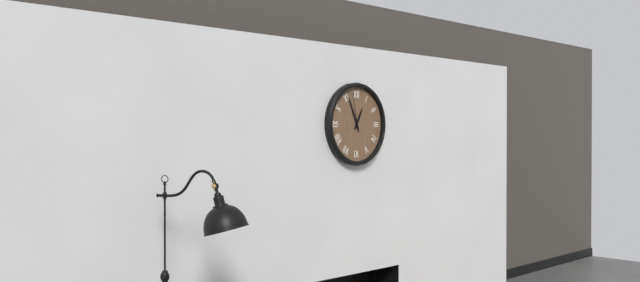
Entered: 12.56
